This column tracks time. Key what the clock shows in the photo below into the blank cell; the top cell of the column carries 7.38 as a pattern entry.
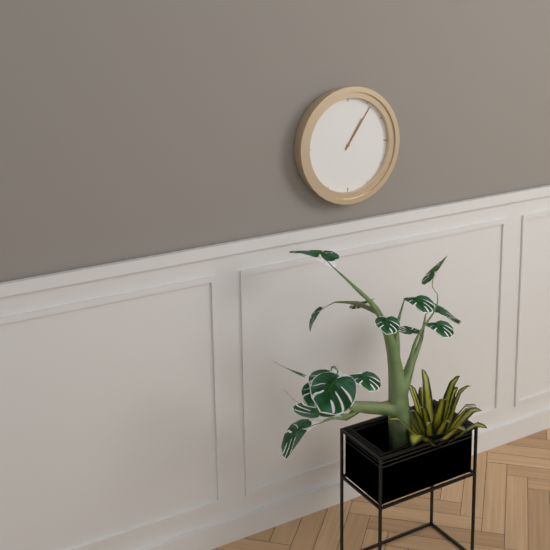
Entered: 1.06
